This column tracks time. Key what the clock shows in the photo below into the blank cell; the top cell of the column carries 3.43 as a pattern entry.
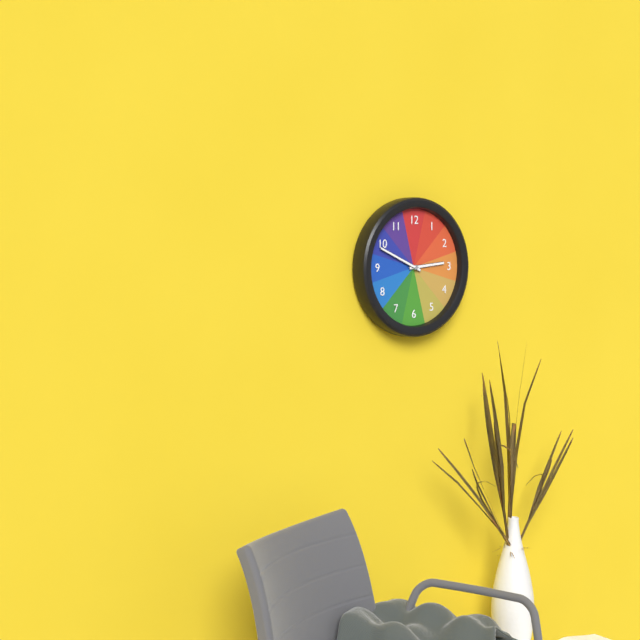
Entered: 2.49
